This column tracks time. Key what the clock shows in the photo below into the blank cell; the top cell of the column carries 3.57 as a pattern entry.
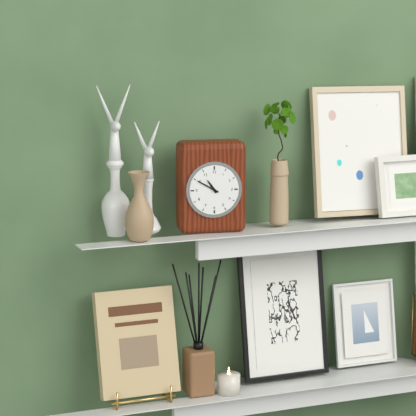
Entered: 10.50
